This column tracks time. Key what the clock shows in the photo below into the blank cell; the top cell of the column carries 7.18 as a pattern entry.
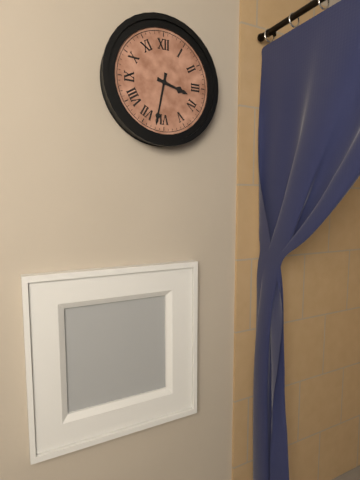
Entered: 3.32
